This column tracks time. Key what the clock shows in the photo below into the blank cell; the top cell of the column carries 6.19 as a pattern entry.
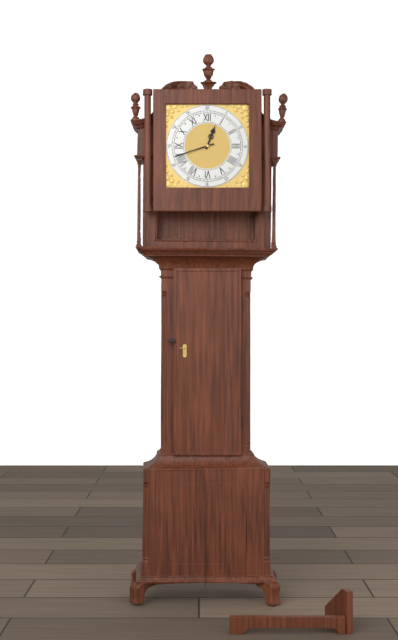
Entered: 12.42
